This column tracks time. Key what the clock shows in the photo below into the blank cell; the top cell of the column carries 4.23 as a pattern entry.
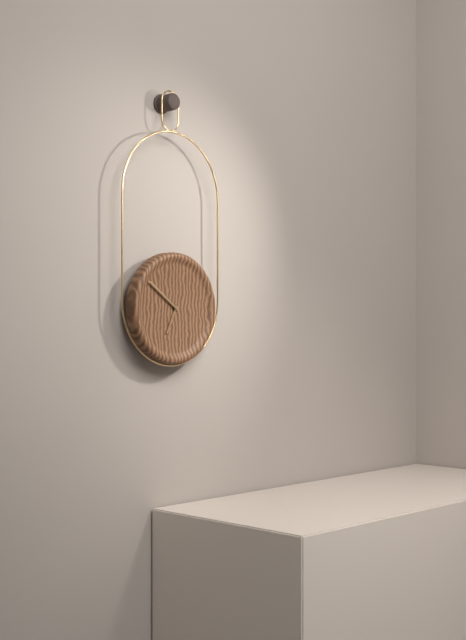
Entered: 6.51
